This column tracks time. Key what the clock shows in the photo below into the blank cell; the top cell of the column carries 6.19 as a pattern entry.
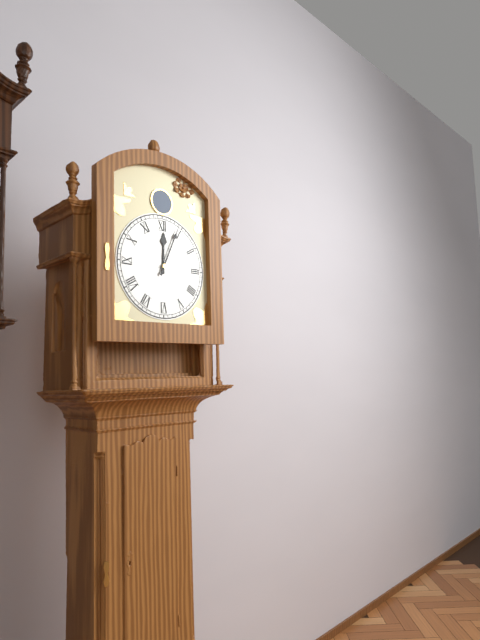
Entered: 12.04
